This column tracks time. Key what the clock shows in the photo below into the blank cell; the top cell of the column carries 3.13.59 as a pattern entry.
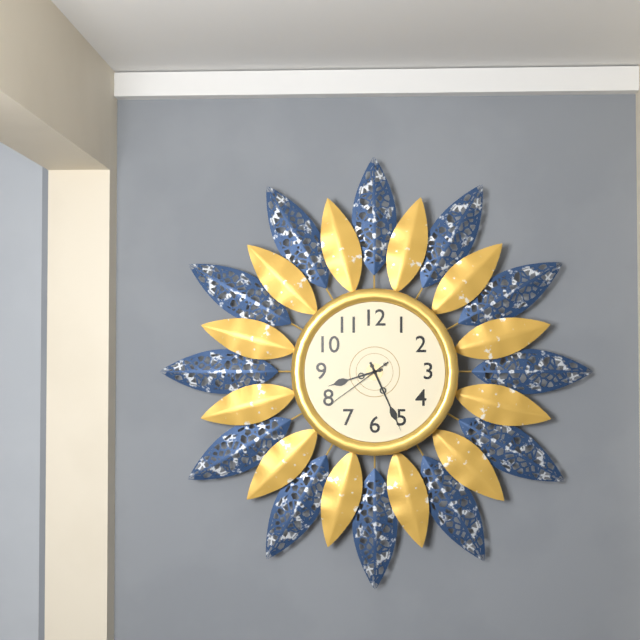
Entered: 8.26.39
